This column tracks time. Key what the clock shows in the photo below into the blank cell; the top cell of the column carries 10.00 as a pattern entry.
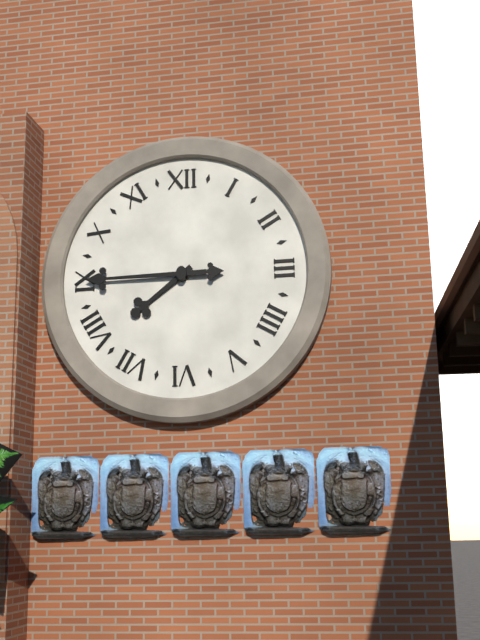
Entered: 7.45
